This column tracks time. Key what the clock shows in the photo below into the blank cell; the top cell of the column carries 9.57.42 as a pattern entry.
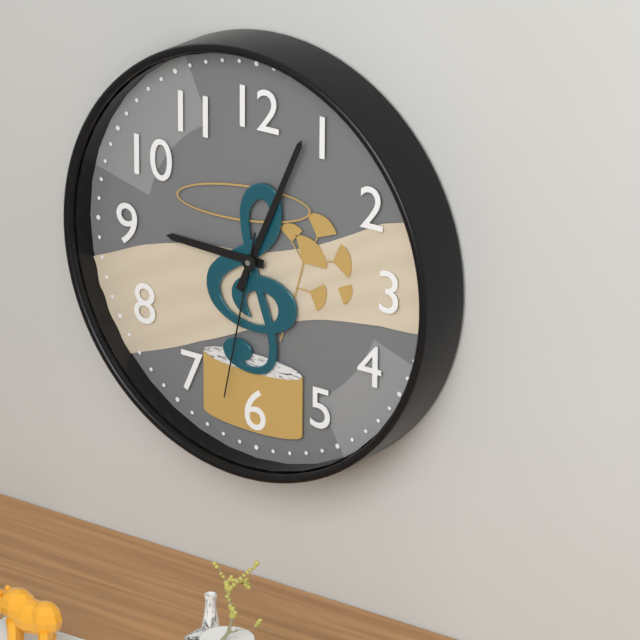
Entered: 9.04.32
